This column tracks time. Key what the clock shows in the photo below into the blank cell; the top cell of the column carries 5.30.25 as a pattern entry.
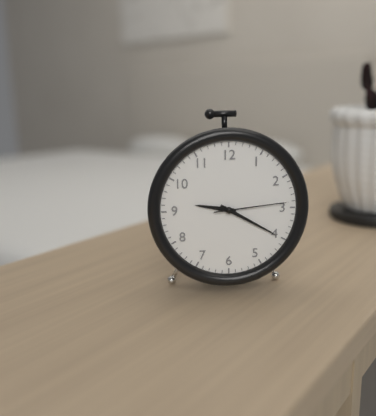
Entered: 9.20.14
